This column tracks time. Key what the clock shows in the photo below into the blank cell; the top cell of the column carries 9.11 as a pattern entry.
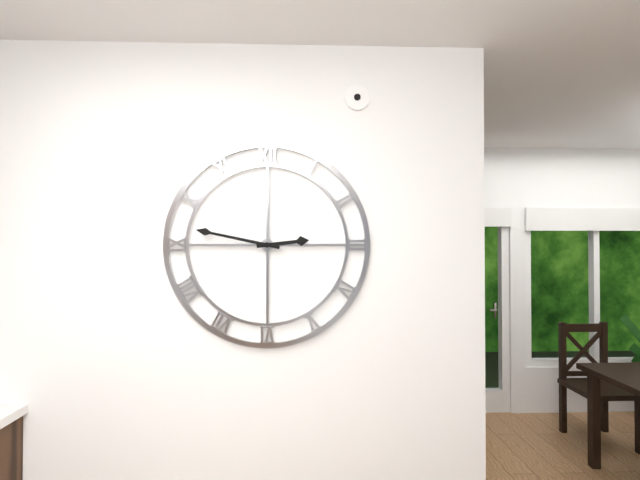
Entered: 2.47
